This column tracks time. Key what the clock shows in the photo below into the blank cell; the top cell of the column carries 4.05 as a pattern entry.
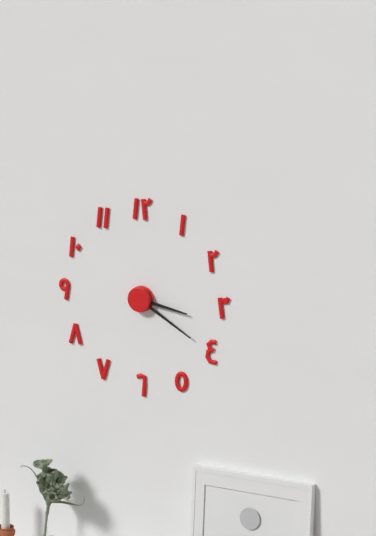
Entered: 3.20
